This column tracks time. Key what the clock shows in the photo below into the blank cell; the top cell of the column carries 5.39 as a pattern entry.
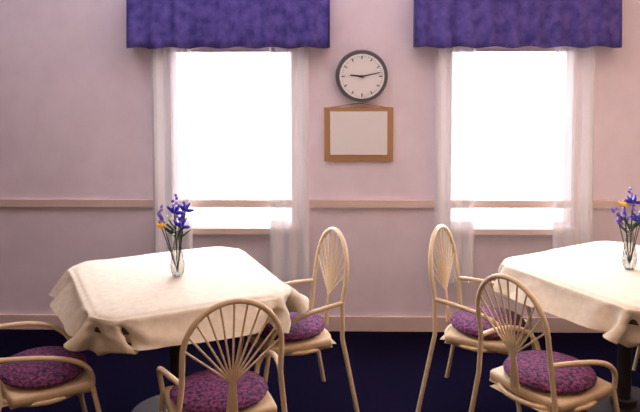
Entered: 9.13
